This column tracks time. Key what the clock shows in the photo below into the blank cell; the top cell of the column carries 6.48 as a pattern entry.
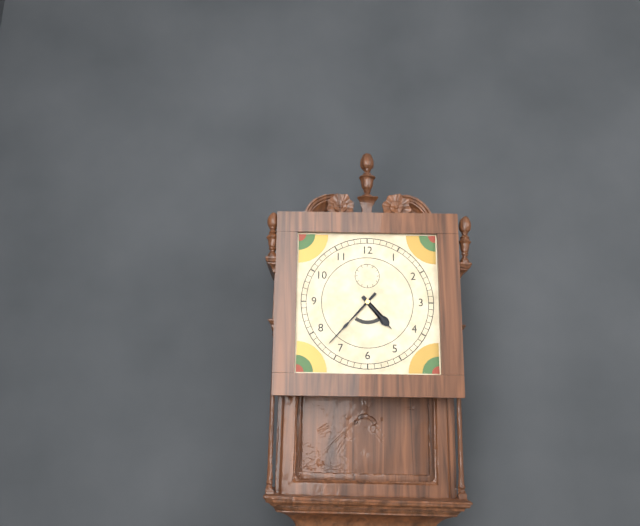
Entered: 4.37
